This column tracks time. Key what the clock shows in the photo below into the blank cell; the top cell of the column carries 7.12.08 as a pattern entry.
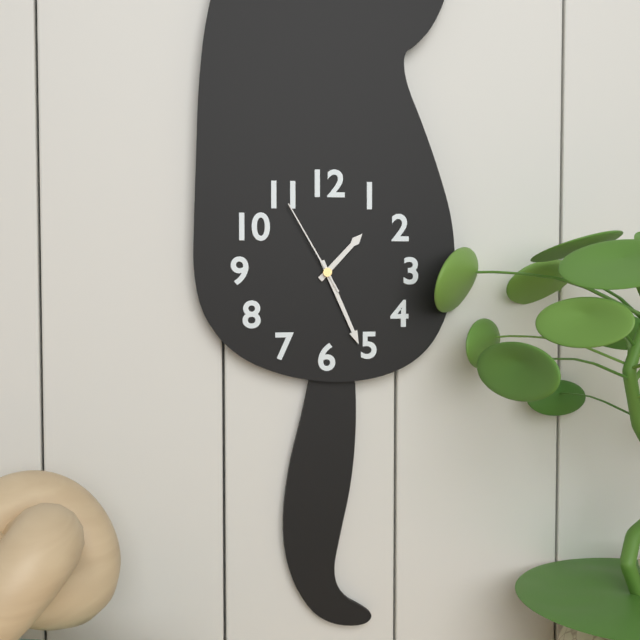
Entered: 1.26.55
